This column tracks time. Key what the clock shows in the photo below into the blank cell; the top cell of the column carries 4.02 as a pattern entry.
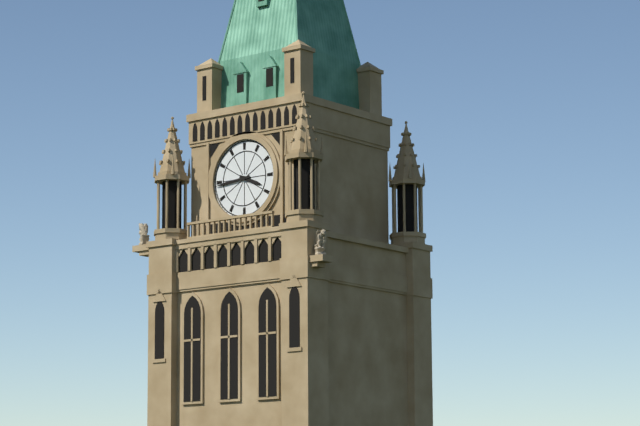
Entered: 3.44
